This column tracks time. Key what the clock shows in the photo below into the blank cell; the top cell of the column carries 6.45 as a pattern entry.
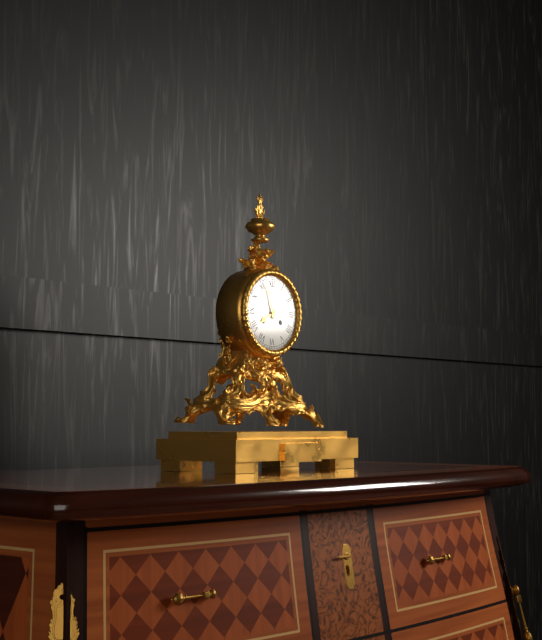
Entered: 7.57
